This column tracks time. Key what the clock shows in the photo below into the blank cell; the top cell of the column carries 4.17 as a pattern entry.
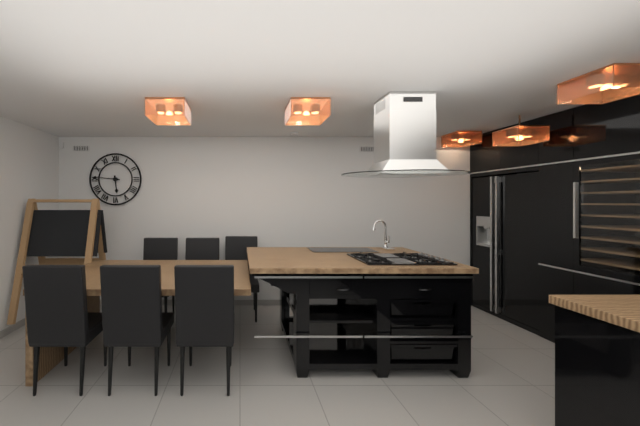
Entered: 5.46
